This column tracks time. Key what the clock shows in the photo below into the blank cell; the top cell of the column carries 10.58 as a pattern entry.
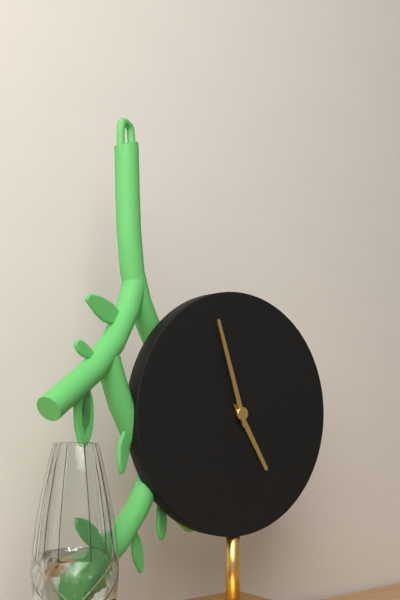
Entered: 4.57
